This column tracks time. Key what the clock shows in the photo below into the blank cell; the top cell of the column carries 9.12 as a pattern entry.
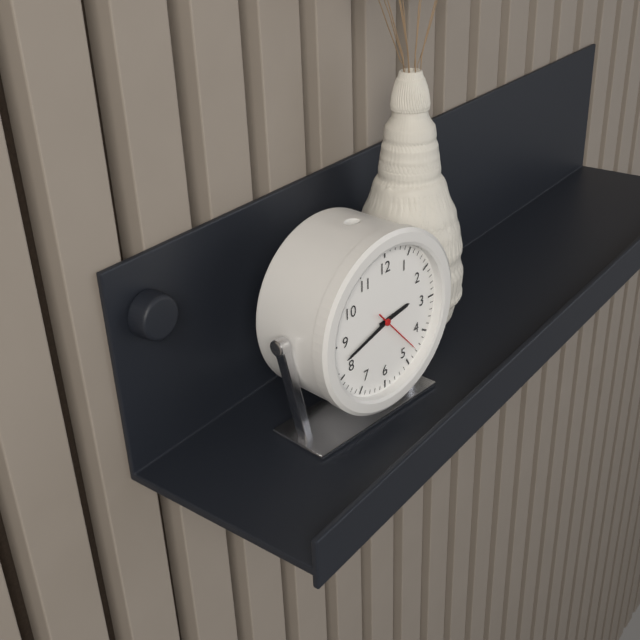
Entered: 2.42
